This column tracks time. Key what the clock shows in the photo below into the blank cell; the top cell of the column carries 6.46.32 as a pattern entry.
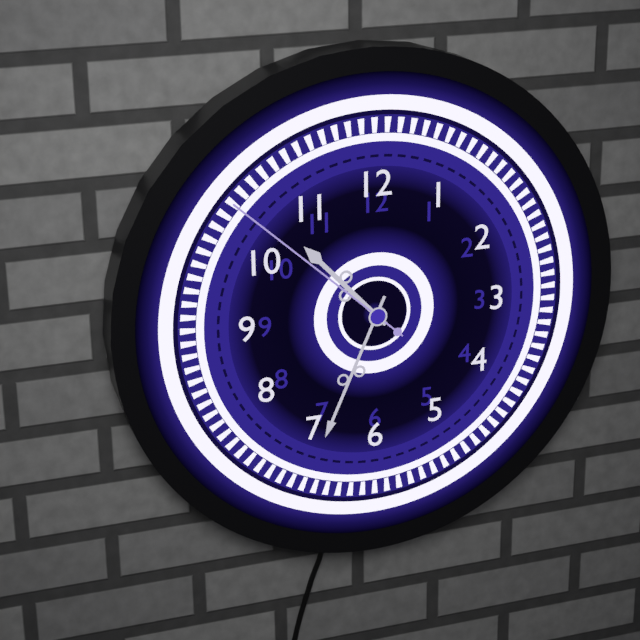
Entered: 10.34.52
